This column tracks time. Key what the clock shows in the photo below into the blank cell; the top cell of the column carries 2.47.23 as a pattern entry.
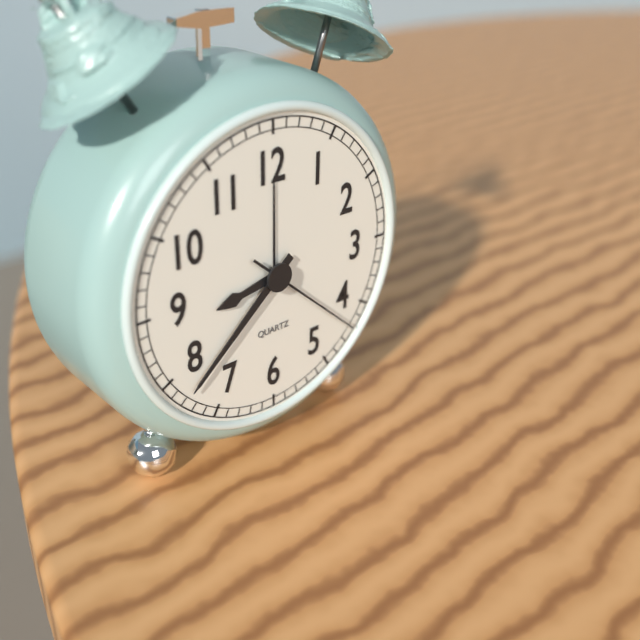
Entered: 8.38.22
